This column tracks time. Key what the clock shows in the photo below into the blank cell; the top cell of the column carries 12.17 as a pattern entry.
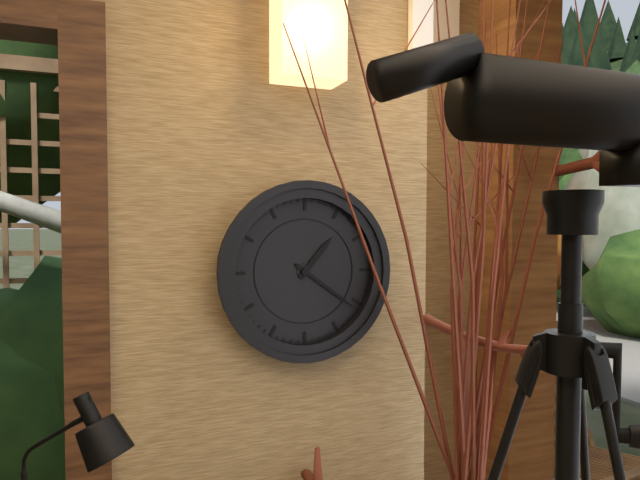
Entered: 1.21
